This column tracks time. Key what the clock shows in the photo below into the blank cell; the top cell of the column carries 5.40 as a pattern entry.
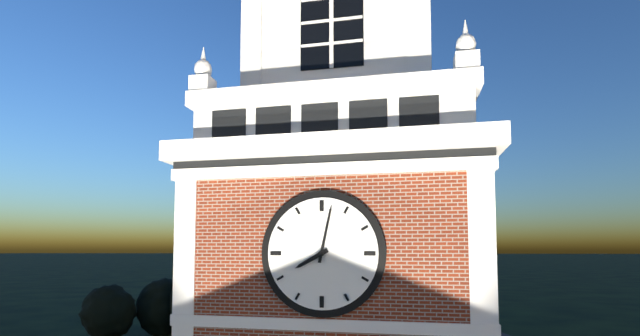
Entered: 8.02
